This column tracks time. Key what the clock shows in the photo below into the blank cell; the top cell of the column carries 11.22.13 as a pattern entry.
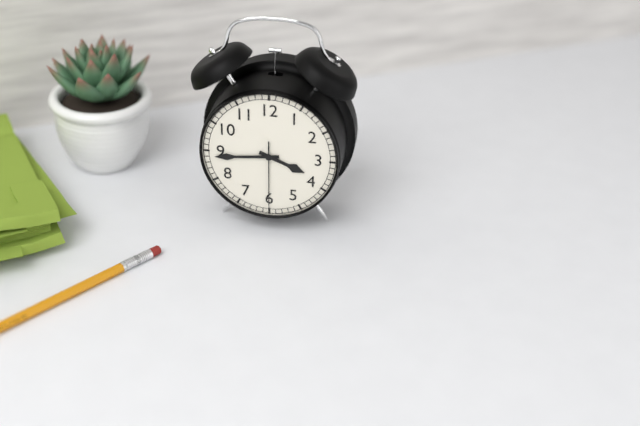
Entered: 3.44.30
